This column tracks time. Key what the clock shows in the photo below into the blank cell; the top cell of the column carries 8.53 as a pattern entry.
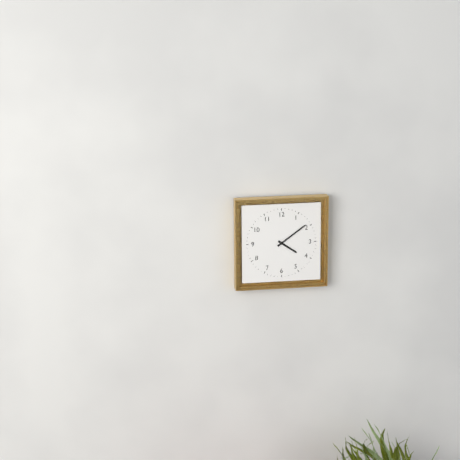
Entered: 4.09
